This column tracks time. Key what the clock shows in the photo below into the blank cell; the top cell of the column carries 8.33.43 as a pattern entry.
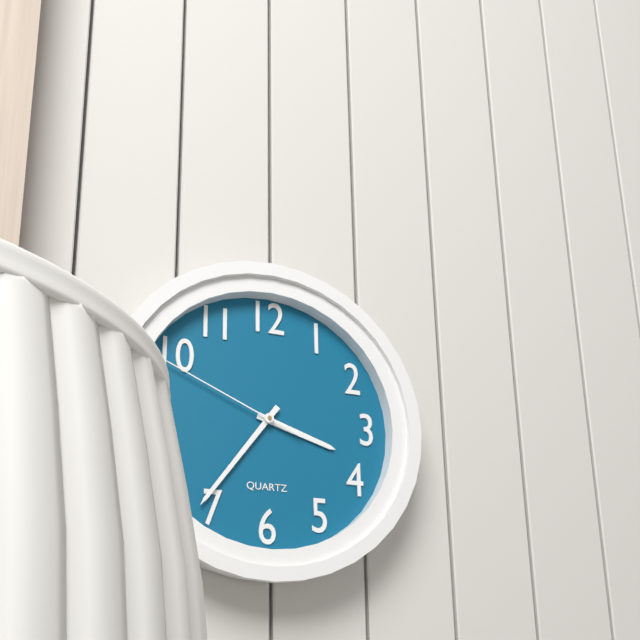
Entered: 3.36.49
